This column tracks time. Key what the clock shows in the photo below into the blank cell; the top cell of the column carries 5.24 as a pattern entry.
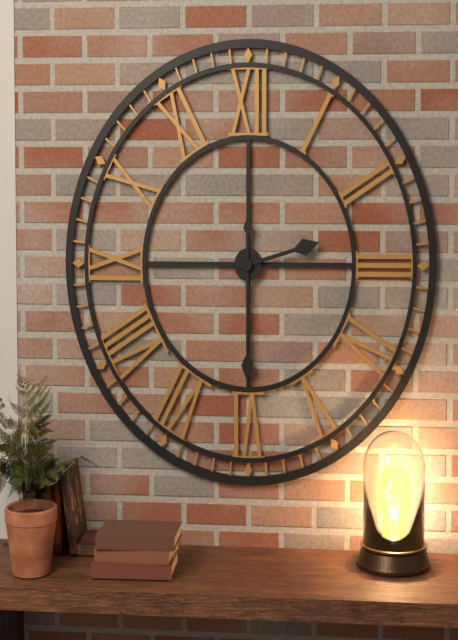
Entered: 2.30
